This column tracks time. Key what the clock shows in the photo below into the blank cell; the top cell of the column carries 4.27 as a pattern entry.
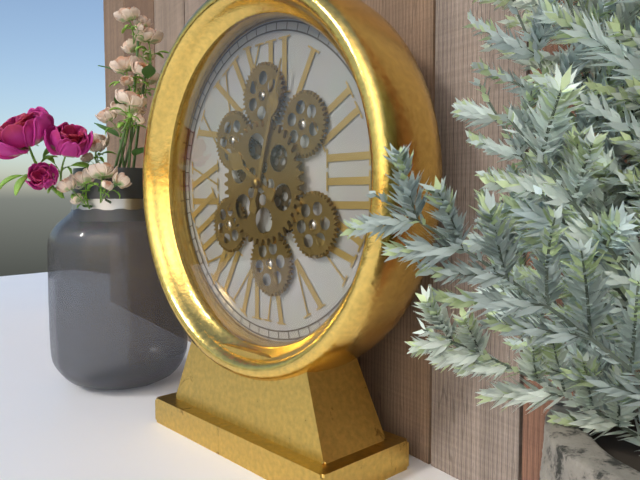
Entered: 10.03
